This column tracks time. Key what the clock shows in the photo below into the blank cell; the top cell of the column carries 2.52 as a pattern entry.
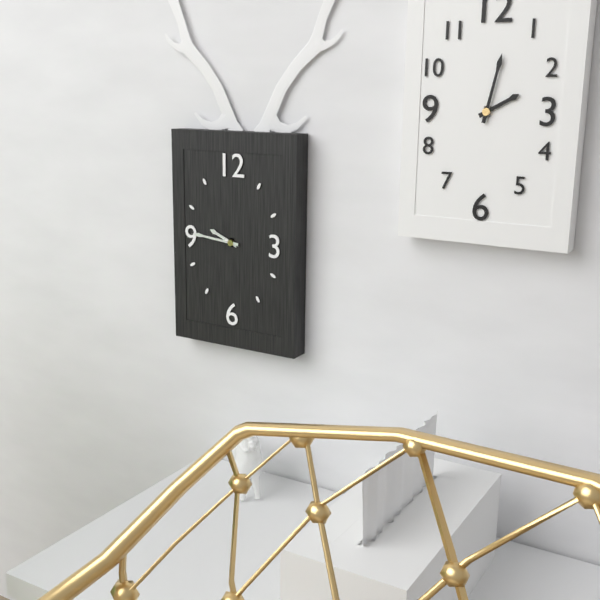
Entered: 9.46
